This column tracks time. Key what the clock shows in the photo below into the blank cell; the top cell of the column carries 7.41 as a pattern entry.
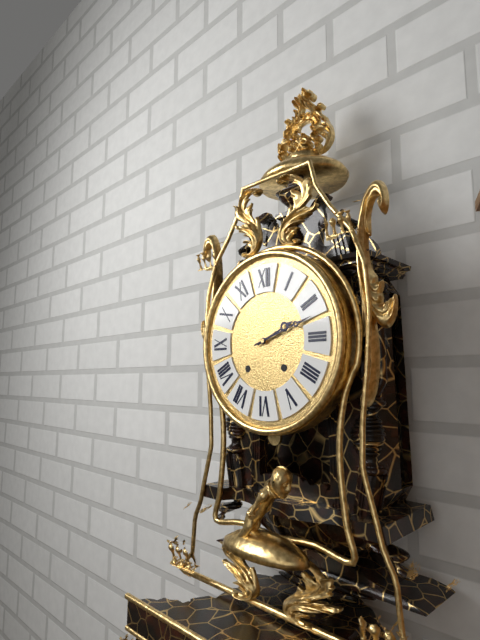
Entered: 2.12
